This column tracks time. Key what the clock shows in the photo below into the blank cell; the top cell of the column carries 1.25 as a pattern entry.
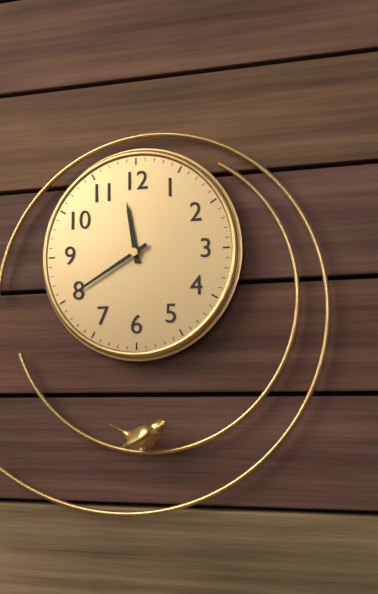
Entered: 11.40
